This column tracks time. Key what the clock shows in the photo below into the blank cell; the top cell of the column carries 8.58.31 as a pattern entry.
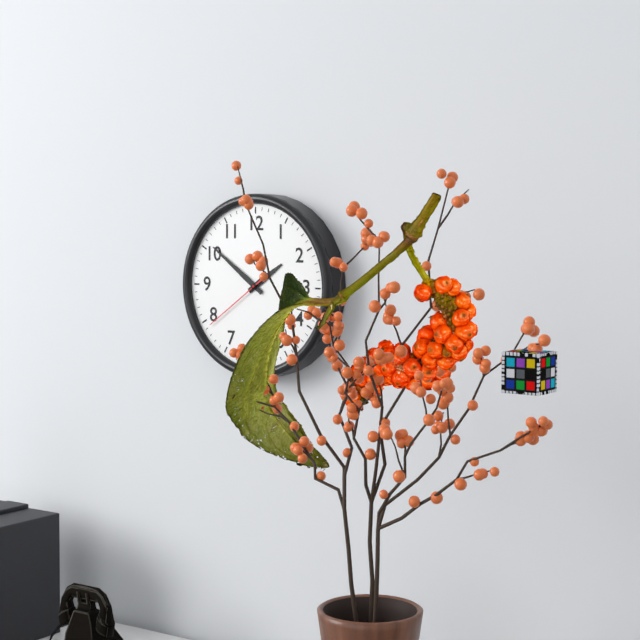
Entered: 1.51.39
